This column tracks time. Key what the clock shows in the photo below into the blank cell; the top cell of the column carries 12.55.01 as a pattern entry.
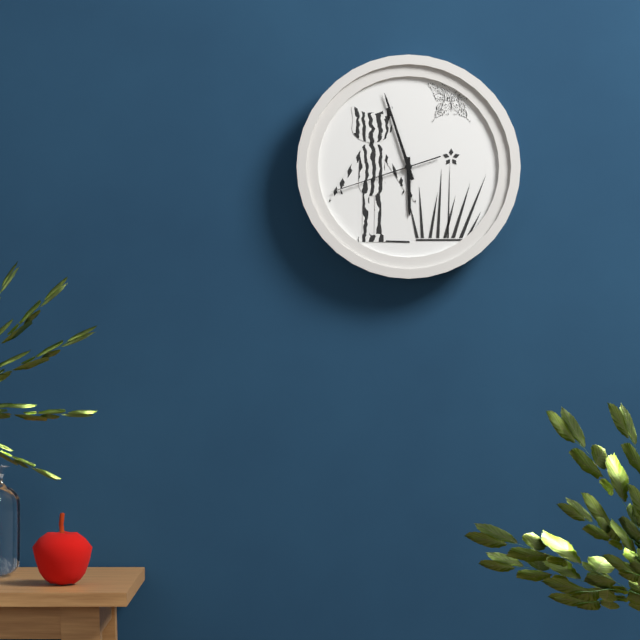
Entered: 5.57.42
